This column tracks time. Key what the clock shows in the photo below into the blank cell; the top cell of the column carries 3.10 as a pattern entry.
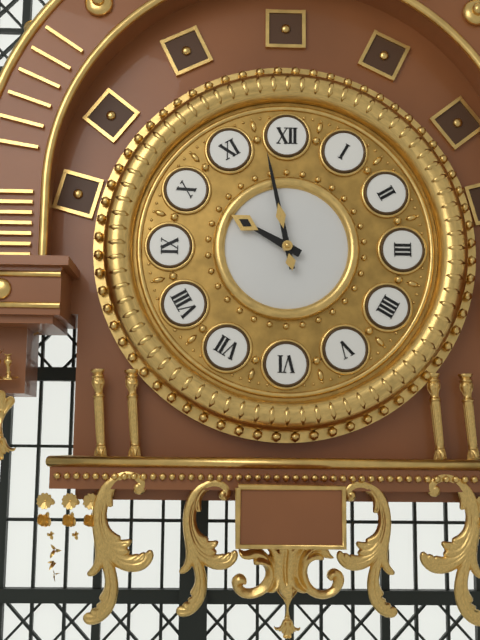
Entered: 9.58
